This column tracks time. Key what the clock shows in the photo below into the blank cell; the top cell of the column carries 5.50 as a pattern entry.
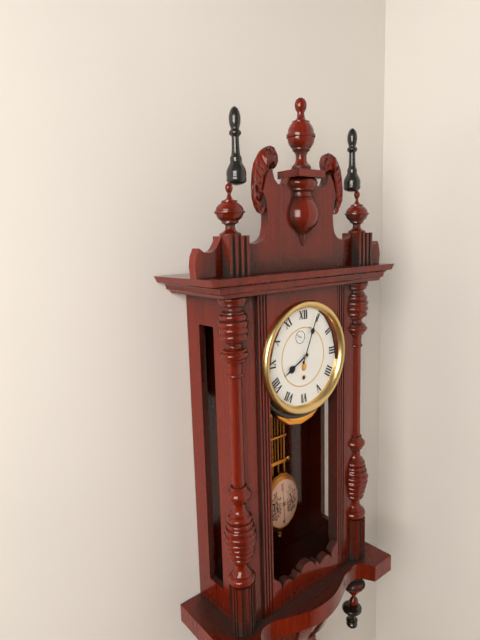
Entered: 8.04
